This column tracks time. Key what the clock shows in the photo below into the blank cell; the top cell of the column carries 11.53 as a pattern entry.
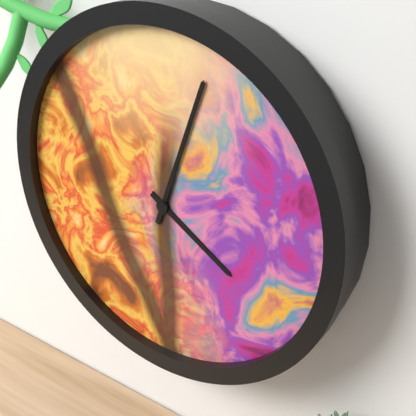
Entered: 4.03
